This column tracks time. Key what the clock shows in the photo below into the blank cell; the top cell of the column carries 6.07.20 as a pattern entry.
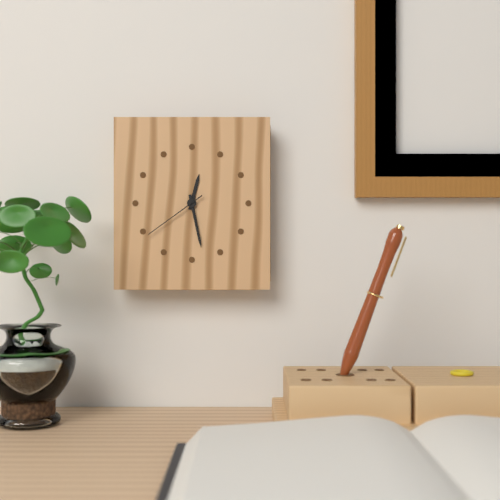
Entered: 12.28.39
